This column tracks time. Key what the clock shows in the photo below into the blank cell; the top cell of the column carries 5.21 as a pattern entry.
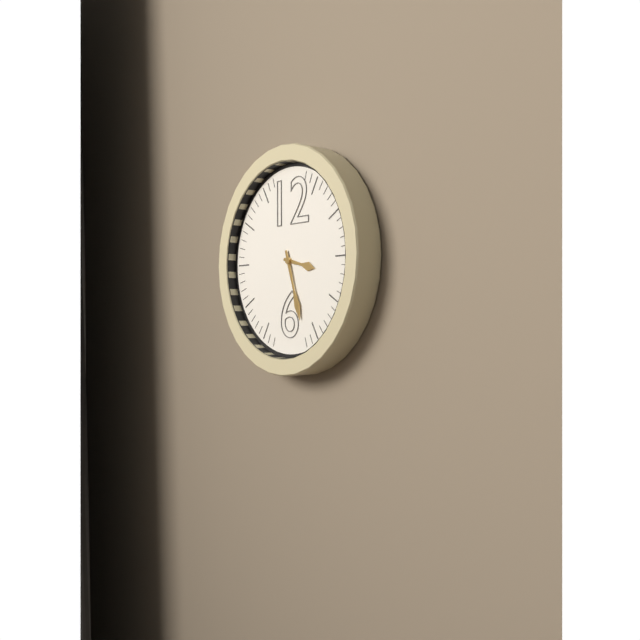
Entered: 3.27
